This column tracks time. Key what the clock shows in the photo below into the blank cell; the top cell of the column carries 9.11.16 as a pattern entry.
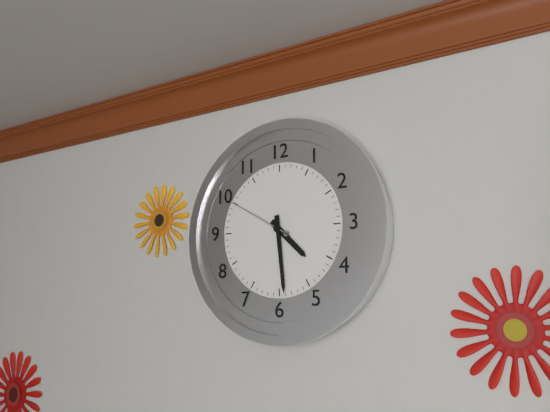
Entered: 4.29.50
